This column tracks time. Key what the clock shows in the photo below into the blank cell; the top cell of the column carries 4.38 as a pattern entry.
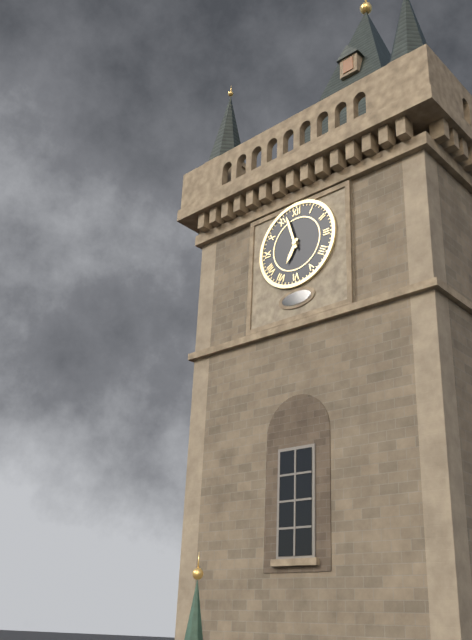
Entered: 6.57
